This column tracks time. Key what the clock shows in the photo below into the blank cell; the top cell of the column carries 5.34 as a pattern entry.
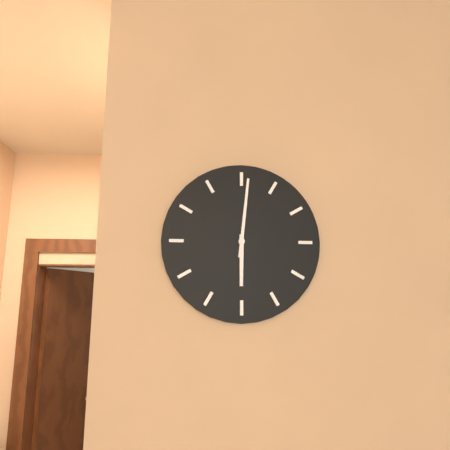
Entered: 6.01
